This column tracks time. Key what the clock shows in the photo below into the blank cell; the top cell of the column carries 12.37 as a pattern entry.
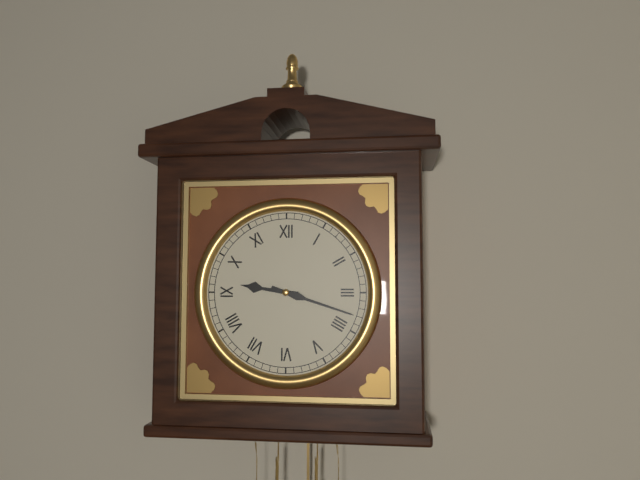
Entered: 9.18
